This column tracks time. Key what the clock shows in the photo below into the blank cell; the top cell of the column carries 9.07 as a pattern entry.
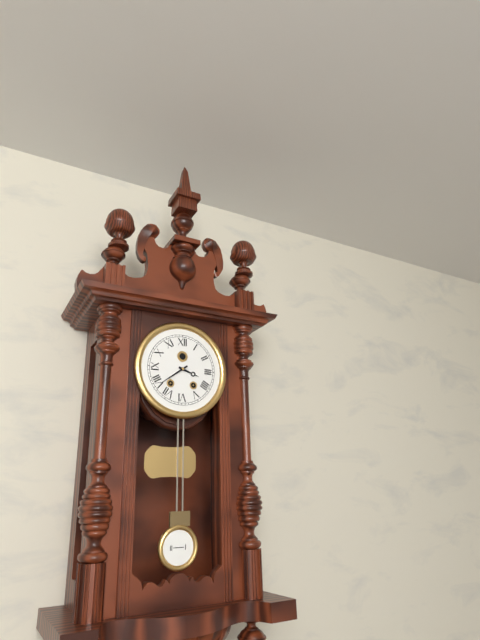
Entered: 3.39
